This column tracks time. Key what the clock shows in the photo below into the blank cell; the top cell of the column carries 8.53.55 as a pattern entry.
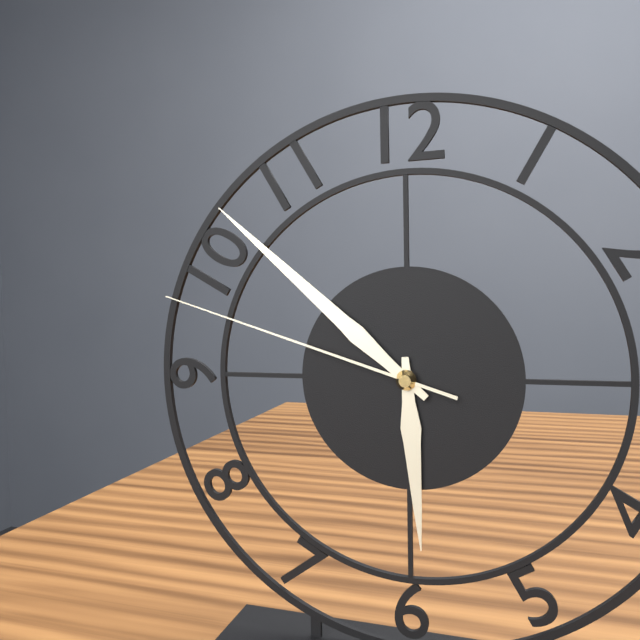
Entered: 5.52.48
